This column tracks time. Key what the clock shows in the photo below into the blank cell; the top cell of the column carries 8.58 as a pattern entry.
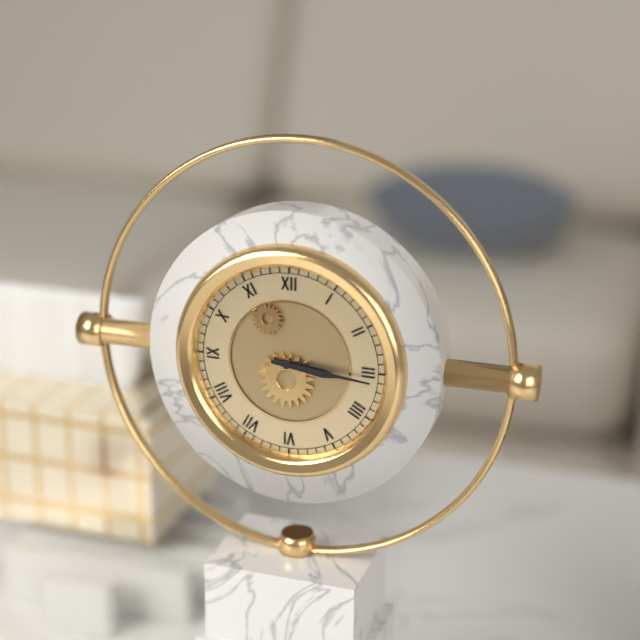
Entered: 3.16
